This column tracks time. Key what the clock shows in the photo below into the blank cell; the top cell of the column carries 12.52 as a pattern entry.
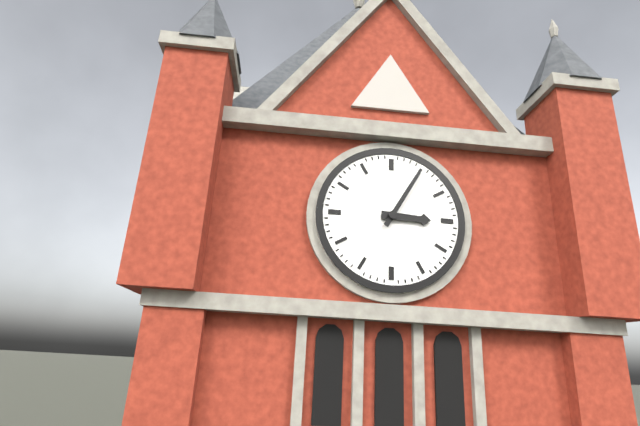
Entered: 3.05
